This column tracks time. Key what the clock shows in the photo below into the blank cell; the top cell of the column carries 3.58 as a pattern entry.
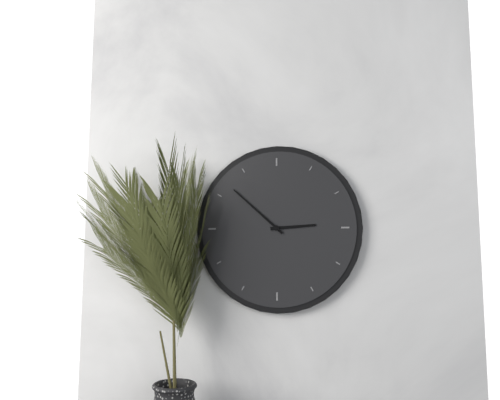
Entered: 2.52
